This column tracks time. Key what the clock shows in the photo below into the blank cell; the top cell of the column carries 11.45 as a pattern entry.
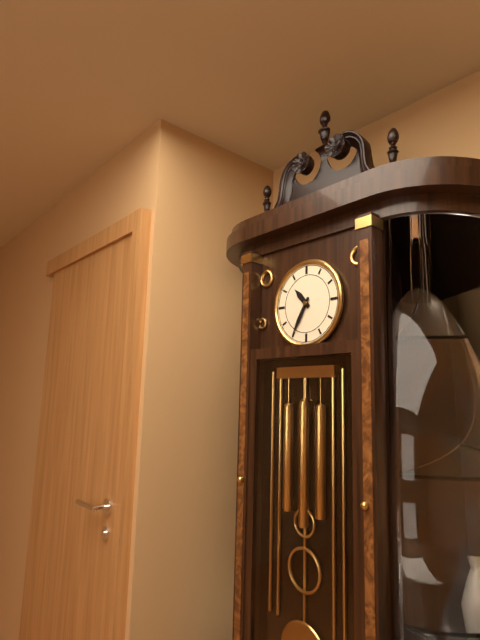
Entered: 10.35
